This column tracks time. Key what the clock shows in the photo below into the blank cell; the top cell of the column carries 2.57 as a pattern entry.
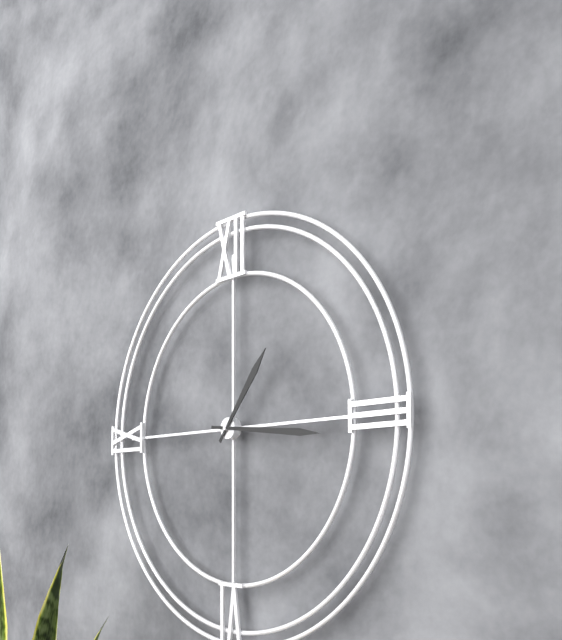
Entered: 1.16
